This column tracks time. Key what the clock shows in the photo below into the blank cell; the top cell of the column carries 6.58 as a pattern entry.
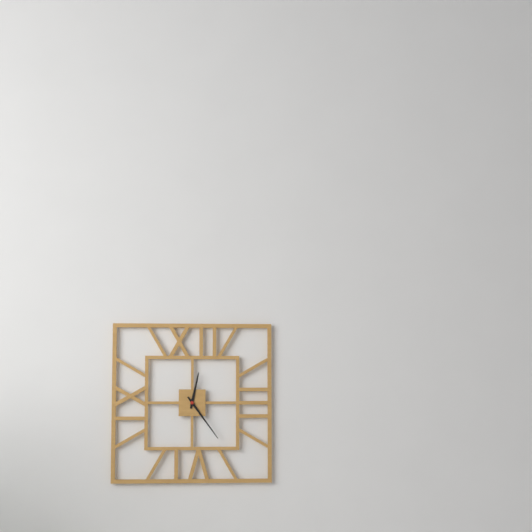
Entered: 12.24
